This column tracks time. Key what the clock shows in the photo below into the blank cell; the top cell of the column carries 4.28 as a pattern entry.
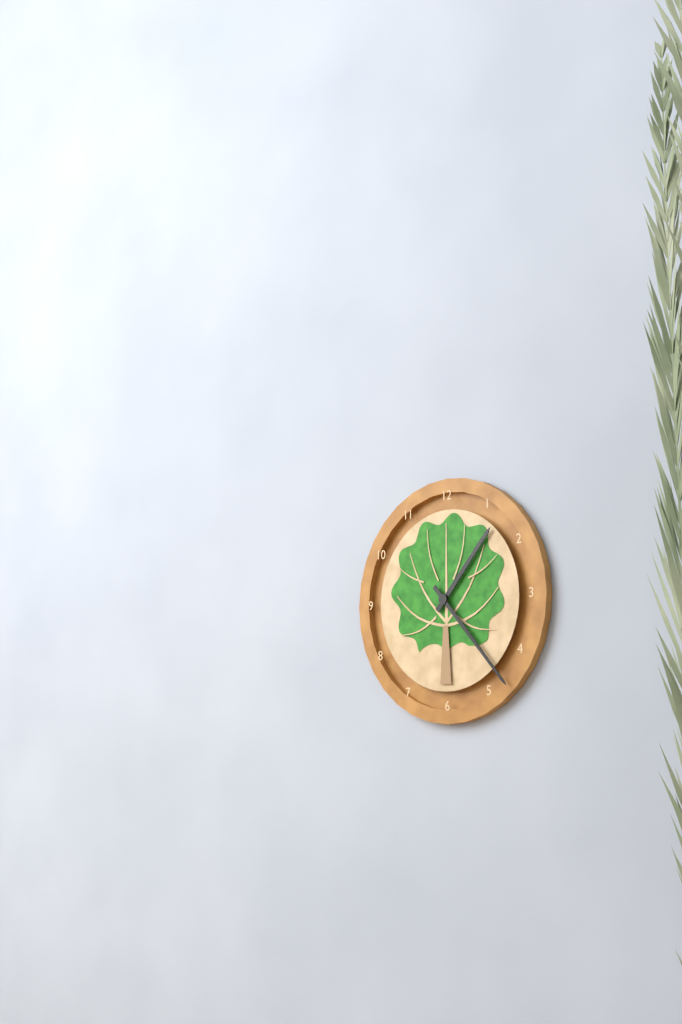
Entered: 1.23
